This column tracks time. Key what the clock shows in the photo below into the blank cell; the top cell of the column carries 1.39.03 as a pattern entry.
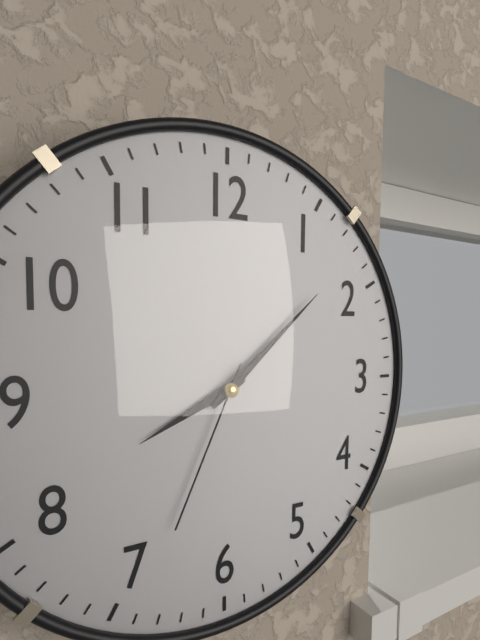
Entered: 8.08.34
